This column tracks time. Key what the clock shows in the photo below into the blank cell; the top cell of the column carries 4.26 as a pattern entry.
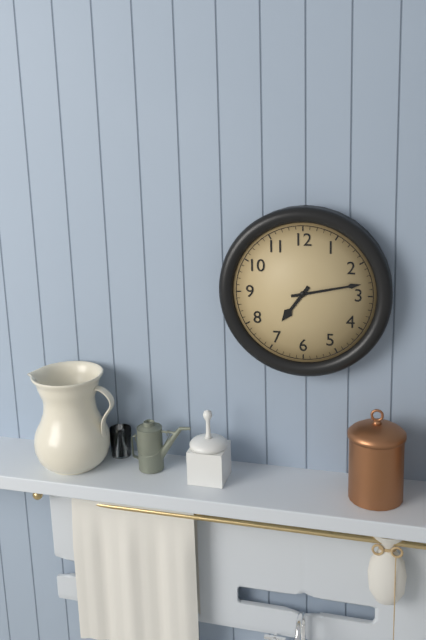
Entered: 7.13
